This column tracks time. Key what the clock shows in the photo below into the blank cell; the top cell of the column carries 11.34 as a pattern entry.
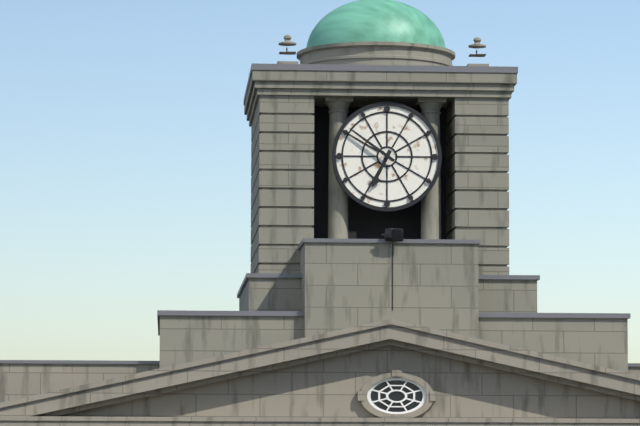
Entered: 6.51
